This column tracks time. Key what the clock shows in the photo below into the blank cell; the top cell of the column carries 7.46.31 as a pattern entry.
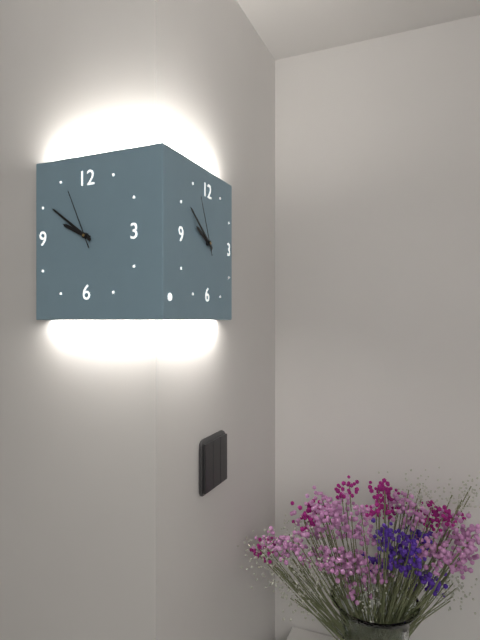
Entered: 9.51.56
